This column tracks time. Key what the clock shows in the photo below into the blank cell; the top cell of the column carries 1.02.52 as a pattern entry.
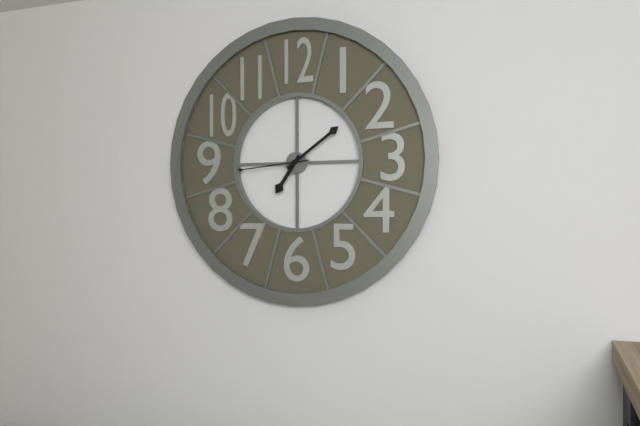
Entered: 7.09.44
